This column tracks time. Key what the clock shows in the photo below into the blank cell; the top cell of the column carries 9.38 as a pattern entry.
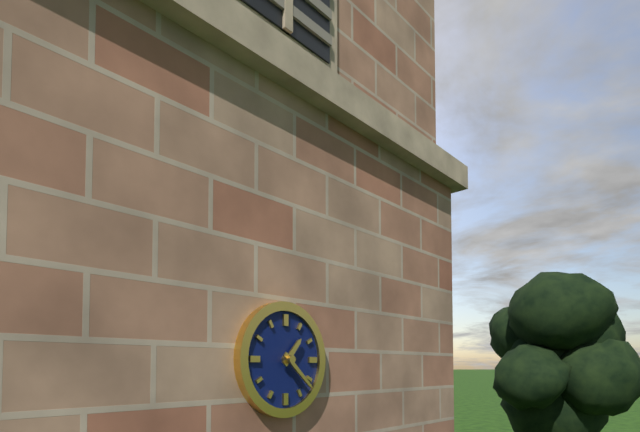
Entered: 1.22
